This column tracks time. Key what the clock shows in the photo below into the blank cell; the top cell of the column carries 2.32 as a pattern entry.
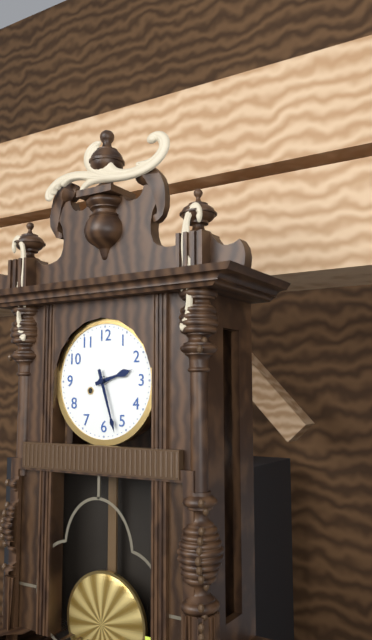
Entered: 2.27
